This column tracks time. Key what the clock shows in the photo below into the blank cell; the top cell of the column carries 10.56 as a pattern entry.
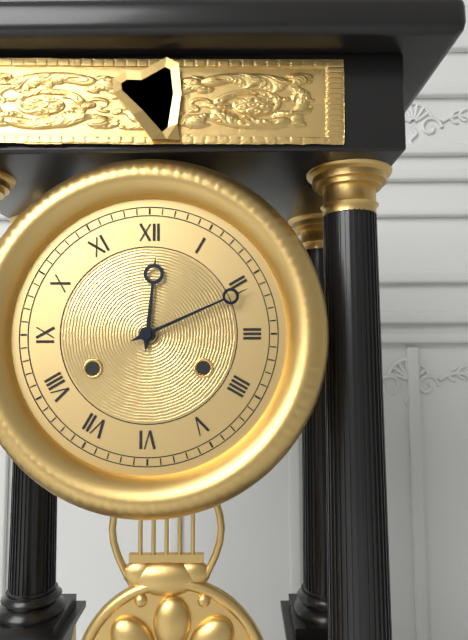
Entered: 12.11
